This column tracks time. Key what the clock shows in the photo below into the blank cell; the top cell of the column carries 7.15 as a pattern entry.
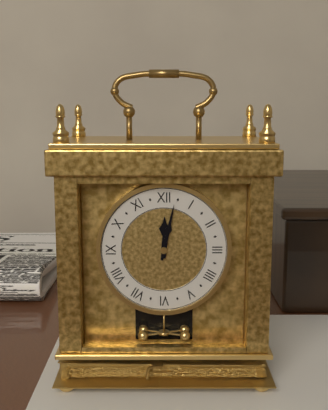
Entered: 12.02
